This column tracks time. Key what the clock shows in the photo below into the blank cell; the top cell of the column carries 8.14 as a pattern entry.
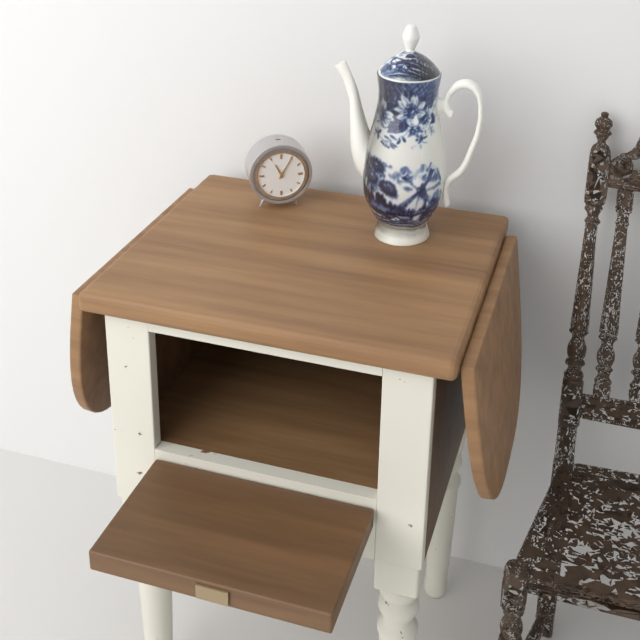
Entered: 11.05
